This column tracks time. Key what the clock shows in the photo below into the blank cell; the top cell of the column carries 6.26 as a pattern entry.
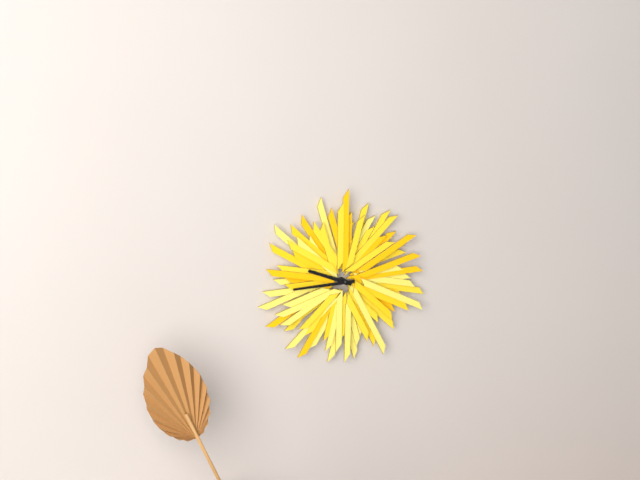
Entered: 9.45
